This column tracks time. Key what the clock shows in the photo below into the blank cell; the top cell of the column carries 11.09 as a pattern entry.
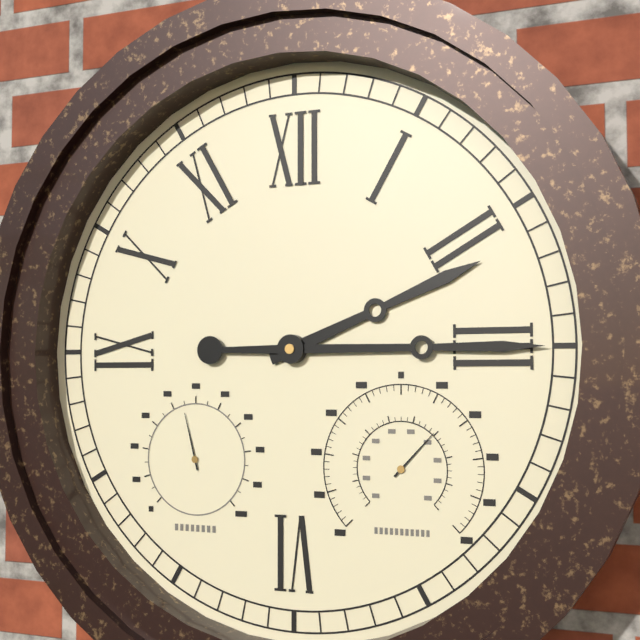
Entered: 2.15
